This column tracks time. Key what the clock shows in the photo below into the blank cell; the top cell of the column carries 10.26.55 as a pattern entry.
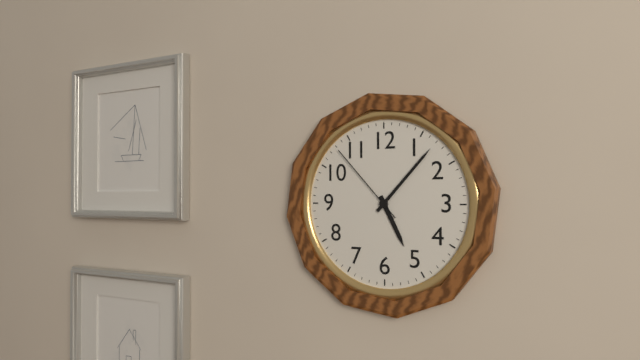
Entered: 5.07.53
